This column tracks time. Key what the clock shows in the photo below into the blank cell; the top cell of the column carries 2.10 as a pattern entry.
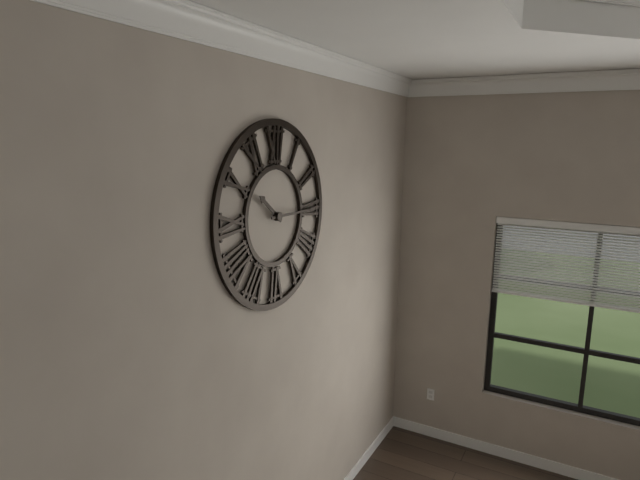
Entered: 10.15
